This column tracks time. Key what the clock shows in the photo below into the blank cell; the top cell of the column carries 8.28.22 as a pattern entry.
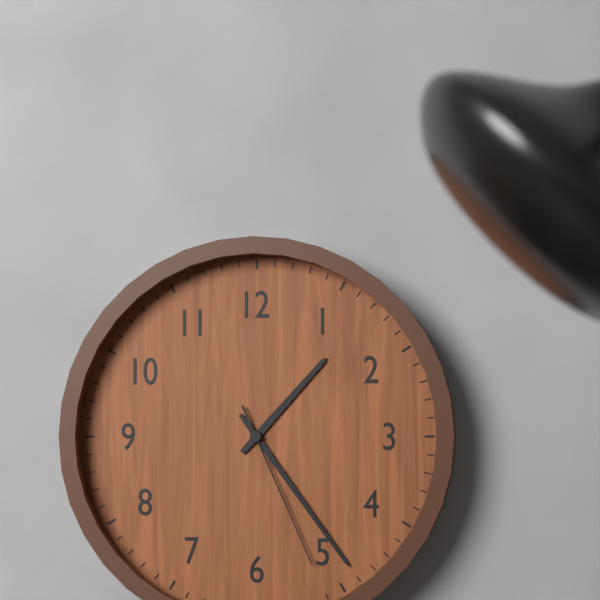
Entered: 1.24.26
